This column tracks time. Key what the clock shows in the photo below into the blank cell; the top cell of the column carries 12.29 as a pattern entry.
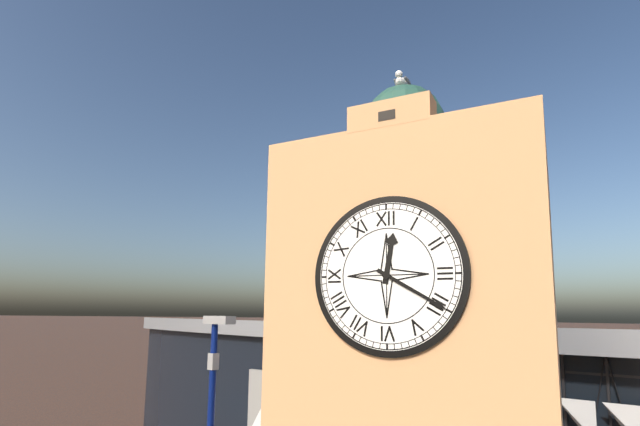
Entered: 12.20
